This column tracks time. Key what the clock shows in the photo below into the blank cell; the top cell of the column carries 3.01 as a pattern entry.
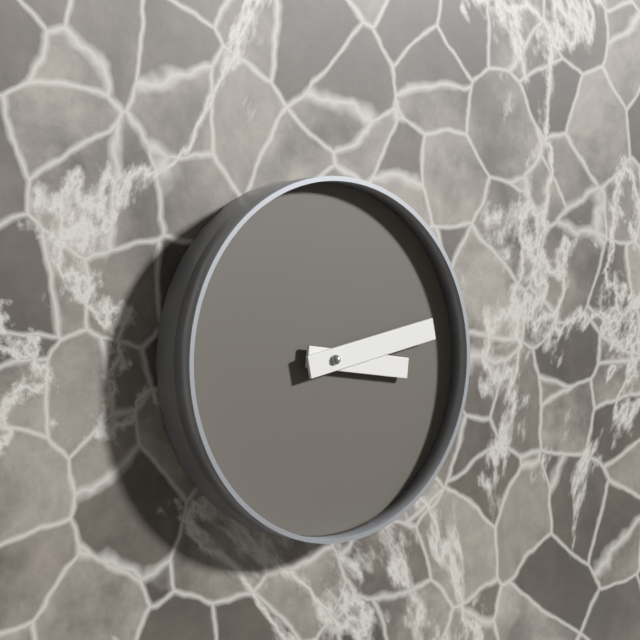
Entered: 3.13
